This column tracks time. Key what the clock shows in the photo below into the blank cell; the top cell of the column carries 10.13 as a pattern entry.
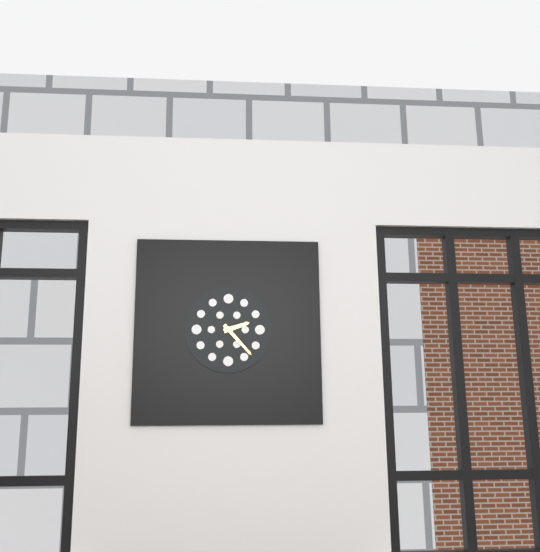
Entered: 2.23
